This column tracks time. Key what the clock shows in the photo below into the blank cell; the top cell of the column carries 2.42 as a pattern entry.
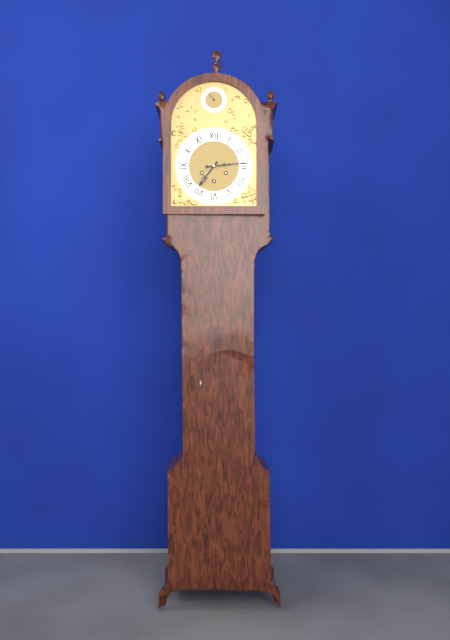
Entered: 7.14
